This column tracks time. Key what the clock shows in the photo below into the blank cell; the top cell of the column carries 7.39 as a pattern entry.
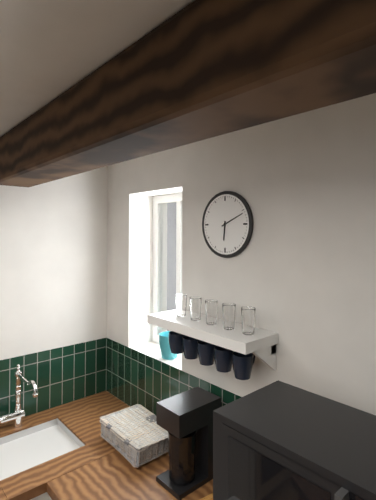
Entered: 6.11
